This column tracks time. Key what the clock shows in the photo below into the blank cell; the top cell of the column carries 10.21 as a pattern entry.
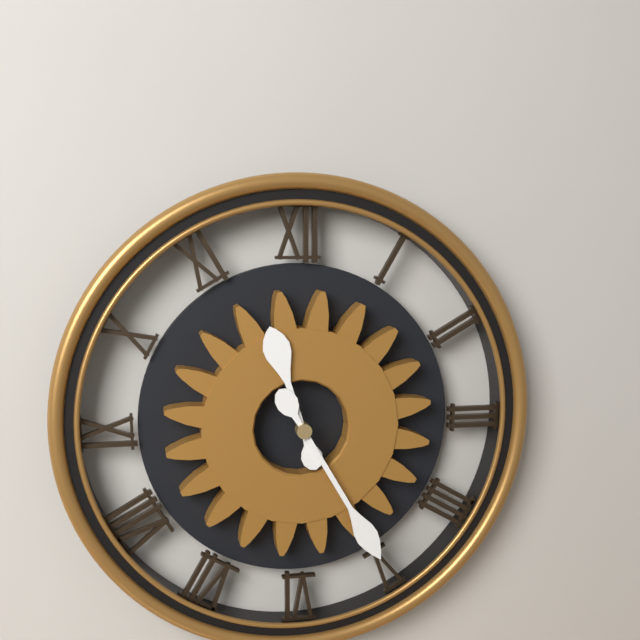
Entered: 11.25
